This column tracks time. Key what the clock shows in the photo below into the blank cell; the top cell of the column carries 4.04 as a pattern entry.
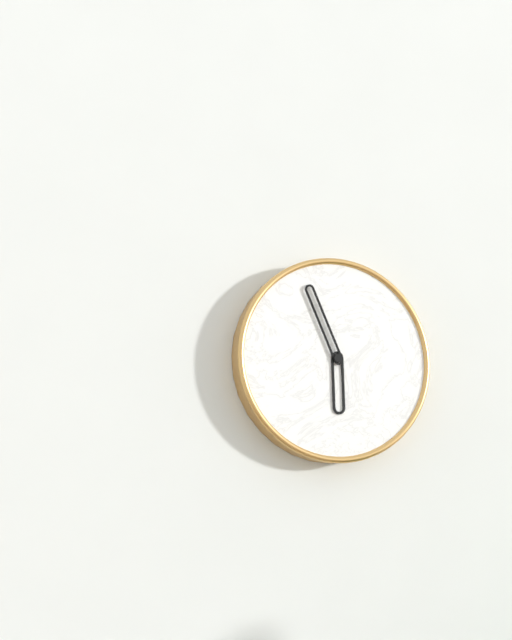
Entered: 5.56
